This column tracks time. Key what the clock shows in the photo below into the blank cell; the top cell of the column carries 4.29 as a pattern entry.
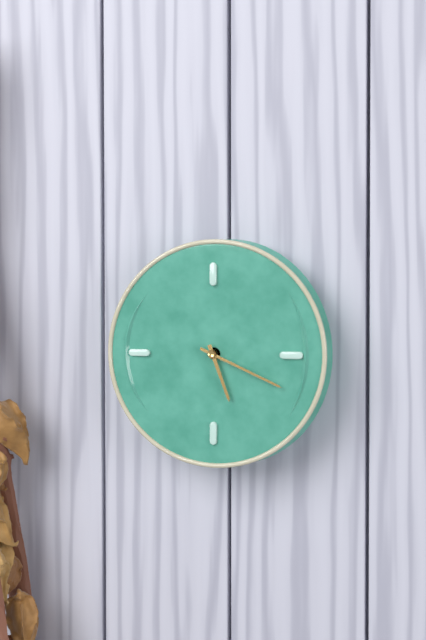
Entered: 5.19
